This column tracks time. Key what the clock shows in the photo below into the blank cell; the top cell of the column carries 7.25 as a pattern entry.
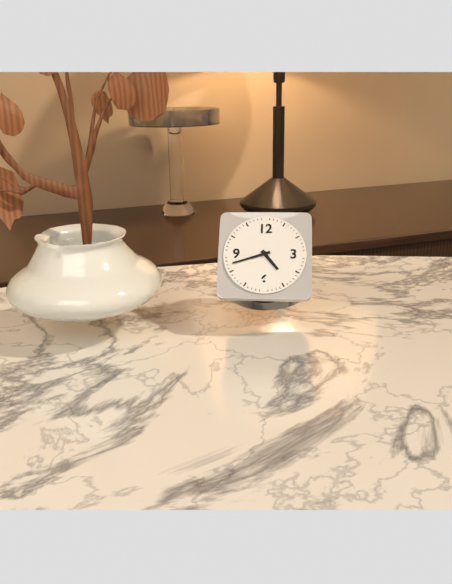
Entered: 4.42
